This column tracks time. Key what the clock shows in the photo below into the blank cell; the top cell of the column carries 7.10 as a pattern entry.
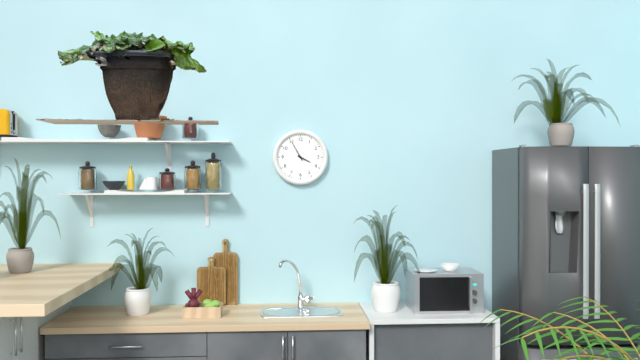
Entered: 3.55
